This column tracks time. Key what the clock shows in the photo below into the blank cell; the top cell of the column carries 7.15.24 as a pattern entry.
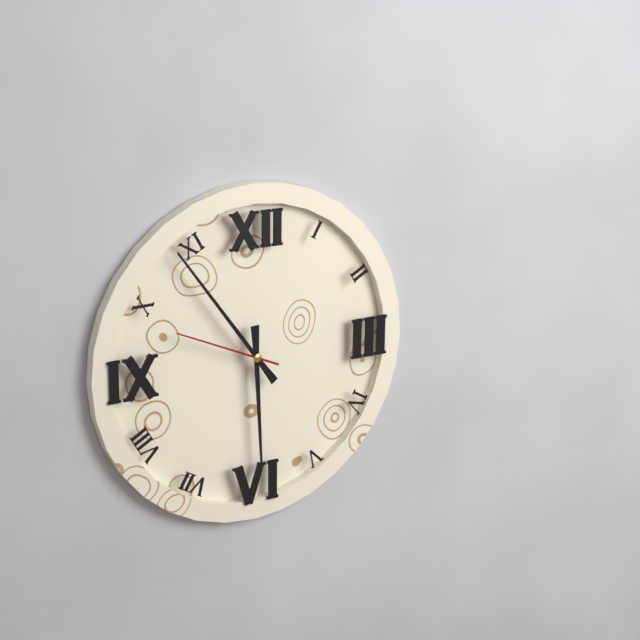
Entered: 5.54.49
